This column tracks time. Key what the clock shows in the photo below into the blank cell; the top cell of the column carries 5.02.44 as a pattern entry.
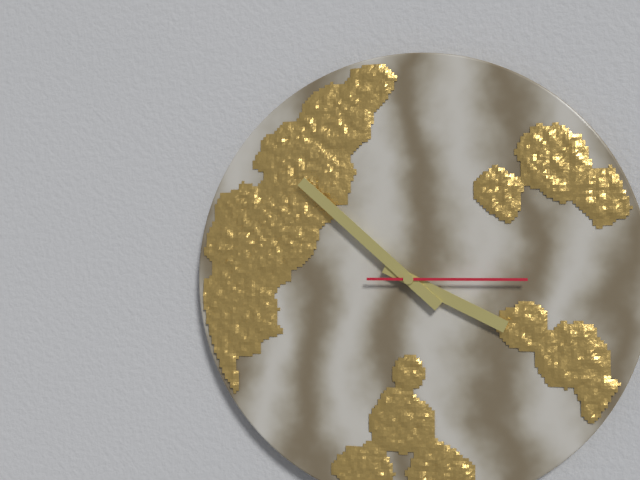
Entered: 3.52.15
